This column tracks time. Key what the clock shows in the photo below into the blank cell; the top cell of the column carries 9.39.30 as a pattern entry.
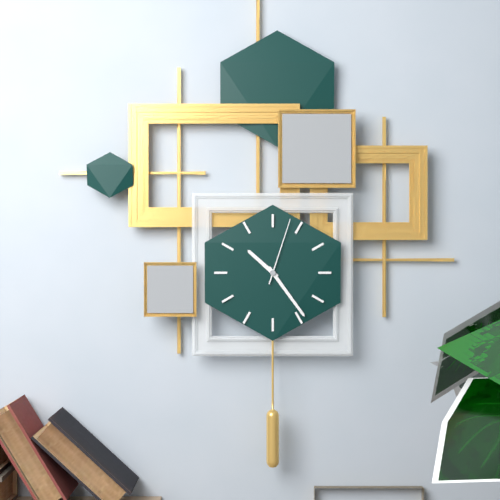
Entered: 10.24.03
